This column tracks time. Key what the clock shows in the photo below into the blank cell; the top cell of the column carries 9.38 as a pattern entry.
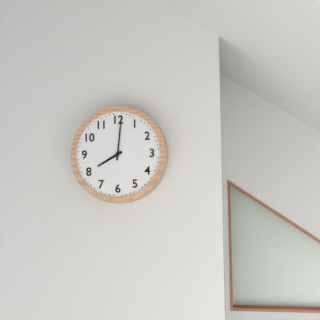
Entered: 8.01
